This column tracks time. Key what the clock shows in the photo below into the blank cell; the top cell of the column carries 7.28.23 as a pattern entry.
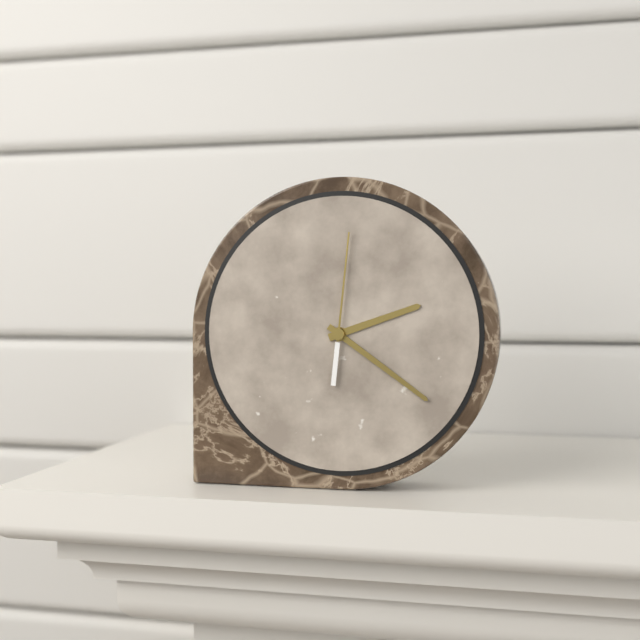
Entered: 2.21.01
